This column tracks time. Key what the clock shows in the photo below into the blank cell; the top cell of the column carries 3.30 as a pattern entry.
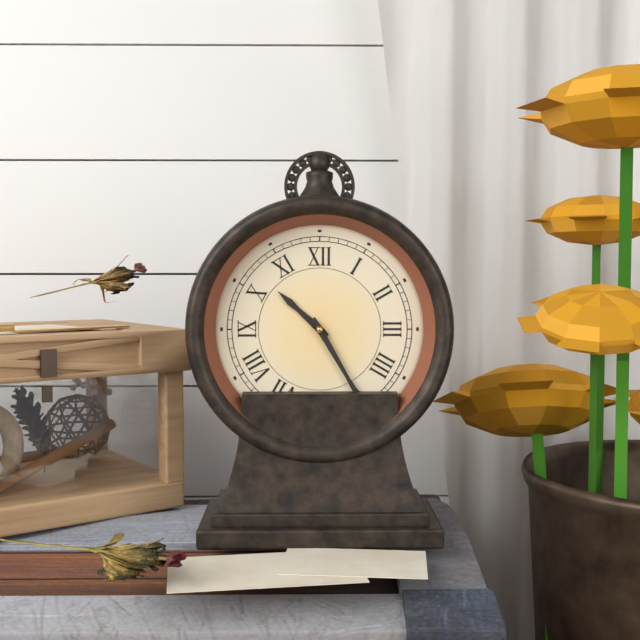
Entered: 10.25
